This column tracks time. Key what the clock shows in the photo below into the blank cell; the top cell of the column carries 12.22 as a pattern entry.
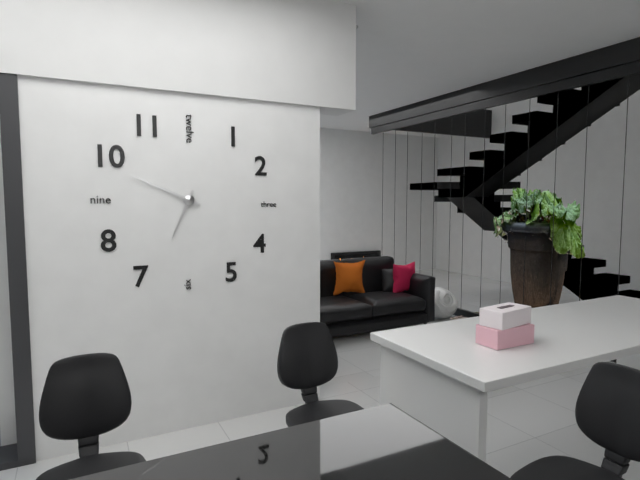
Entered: 6.49
